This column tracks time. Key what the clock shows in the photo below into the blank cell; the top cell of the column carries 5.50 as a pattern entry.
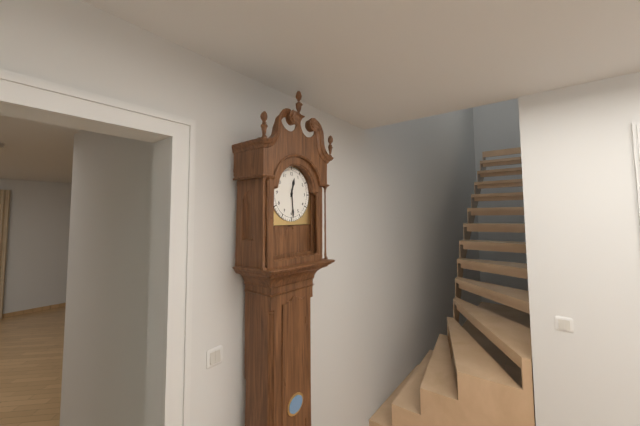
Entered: 12.29
